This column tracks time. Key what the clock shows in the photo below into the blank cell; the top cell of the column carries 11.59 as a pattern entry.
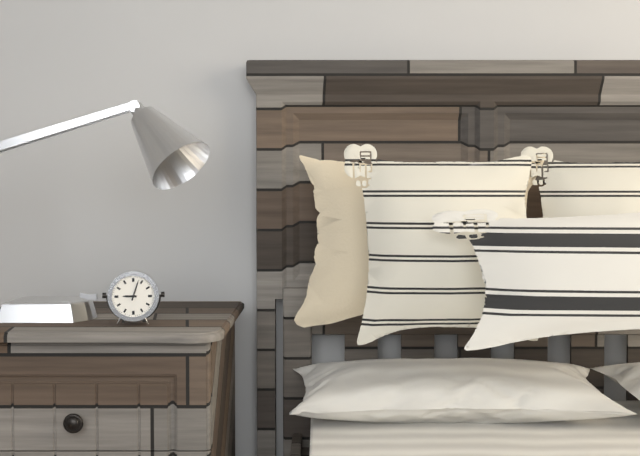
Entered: 9.03
